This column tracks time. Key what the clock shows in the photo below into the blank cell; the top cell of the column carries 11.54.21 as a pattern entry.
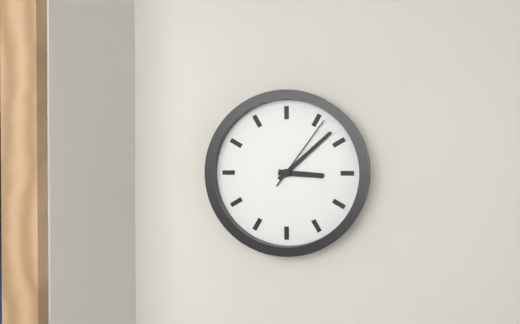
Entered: 3.08.06
